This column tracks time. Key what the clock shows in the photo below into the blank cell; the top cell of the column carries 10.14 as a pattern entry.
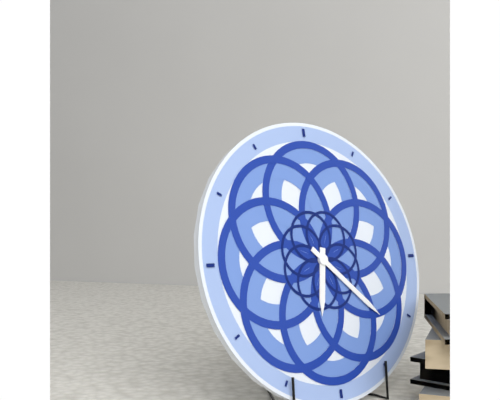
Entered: 6.22
